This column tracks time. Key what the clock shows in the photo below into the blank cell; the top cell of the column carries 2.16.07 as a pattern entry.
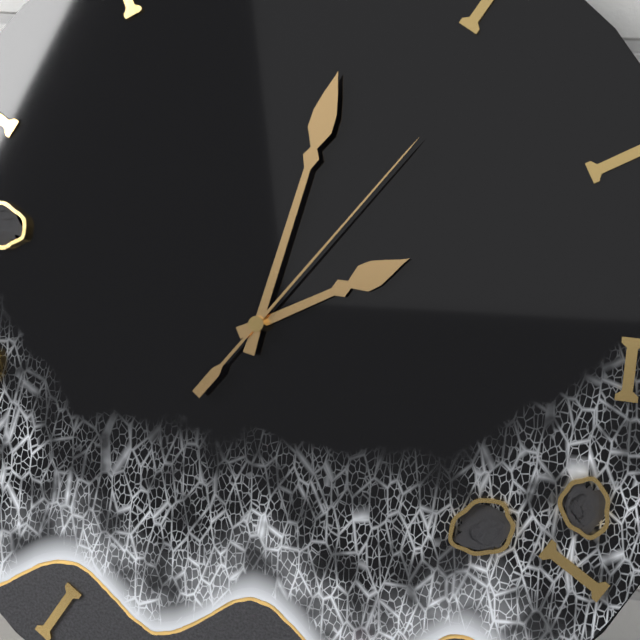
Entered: 2.02.06
